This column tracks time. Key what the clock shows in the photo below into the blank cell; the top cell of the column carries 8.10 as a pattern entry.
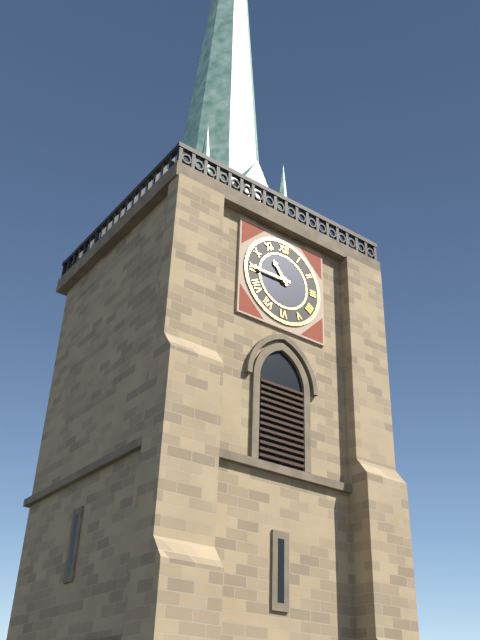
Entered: 10.45
